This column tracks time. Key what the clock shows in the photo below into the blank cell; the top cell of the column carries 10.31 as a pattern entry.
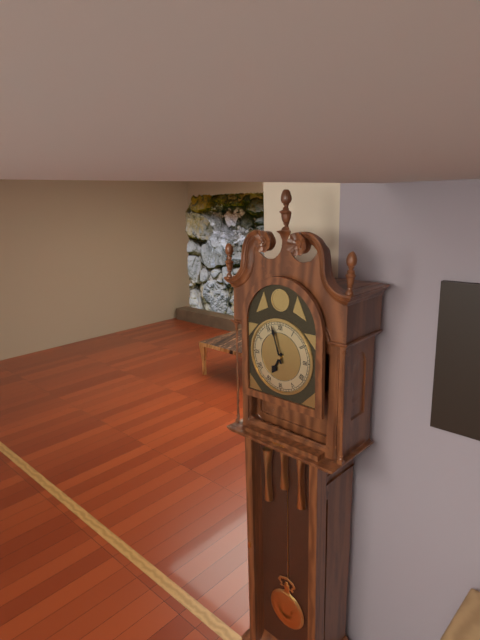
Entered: 6.57
